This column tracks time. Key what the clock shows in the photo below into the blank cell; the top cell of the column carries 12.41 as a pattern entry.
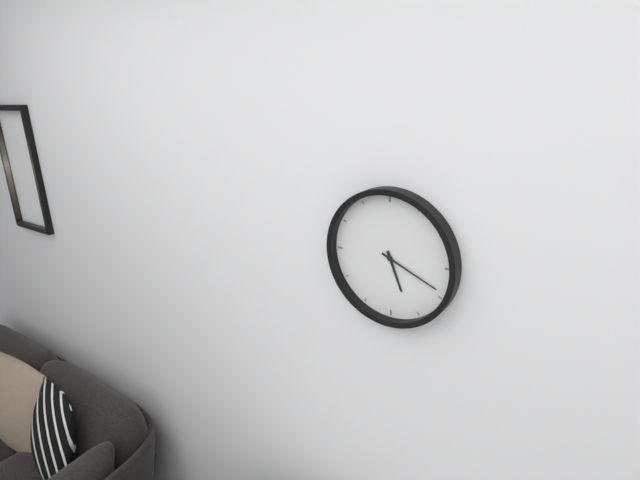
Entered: 5.19
